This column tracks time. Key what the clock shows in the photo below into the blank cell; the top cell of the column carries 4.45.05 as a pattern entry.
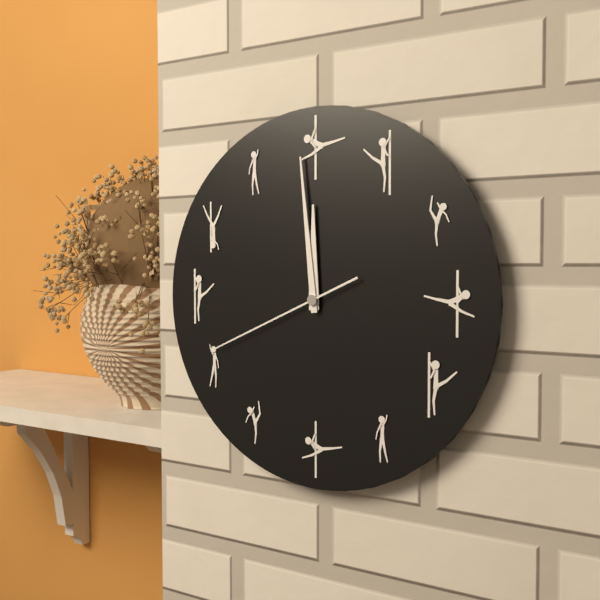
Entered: 11.59.41
